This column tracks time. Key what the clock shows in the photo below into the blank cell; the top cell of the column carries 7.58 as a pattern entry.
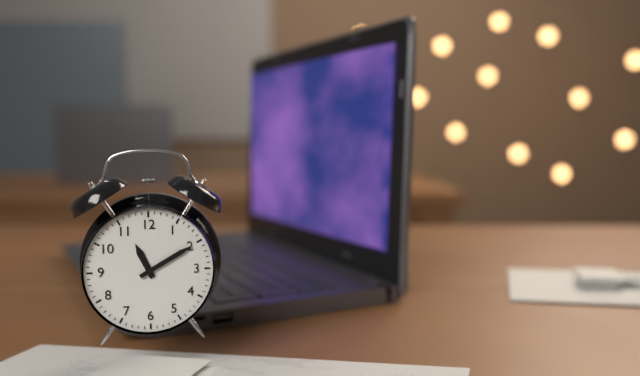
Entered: 11.10
